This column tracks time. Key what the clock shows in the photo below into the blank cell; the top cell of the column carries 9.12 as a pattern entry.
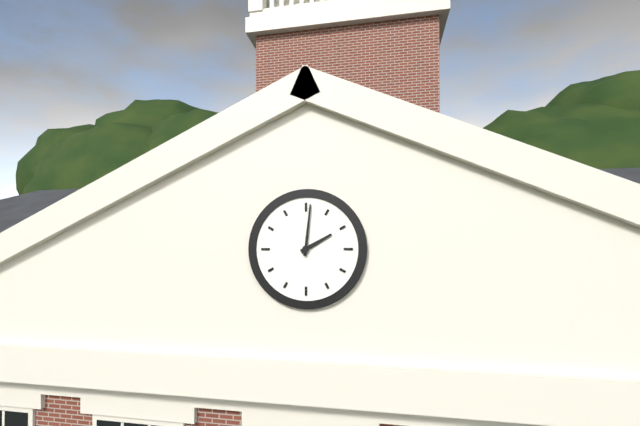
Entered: 2.01
